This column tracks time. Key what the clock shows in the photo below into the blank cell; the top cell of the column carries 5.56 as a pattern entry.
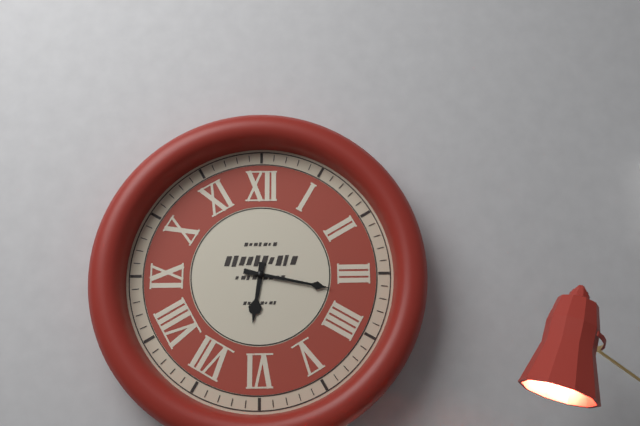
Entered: 6.17
